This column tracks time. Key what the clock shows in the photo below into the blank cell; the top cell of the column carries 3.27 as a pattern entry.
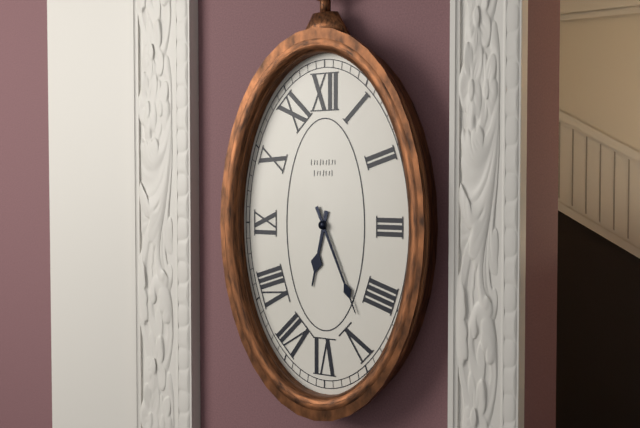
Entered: 6.26
